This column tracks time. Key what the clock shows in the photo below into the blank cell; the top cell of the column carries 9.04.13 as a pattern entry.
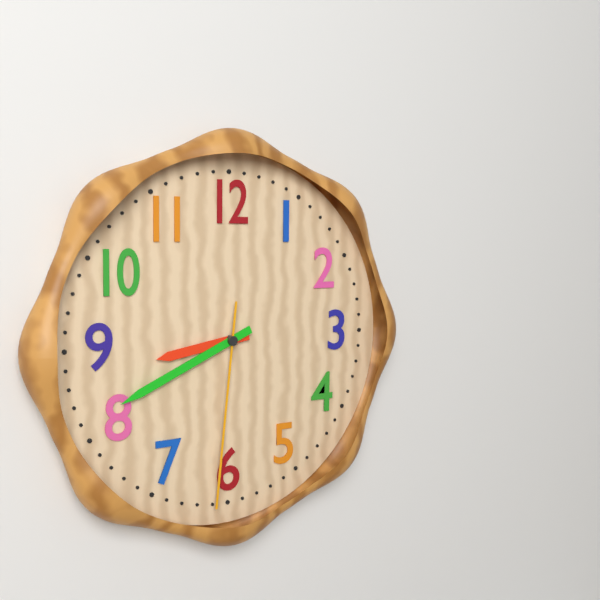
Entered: 8.41.31
